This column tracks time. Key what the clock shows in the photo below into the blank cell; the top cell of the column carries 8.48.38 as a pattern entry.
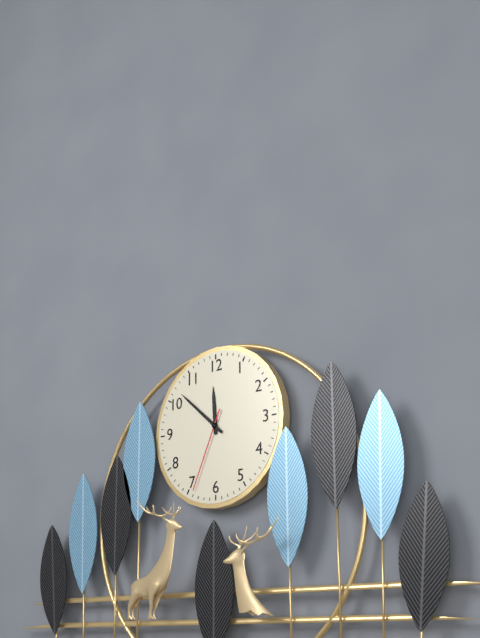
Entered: 11.52.34
